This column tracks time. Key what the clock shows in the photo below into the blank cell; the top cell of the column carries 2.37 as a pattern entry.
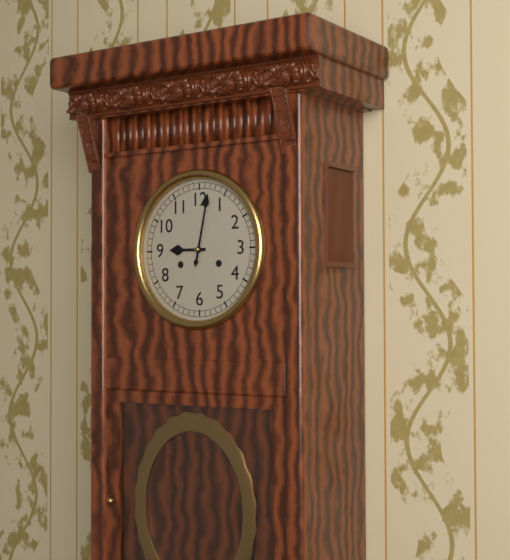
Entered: 9.02
